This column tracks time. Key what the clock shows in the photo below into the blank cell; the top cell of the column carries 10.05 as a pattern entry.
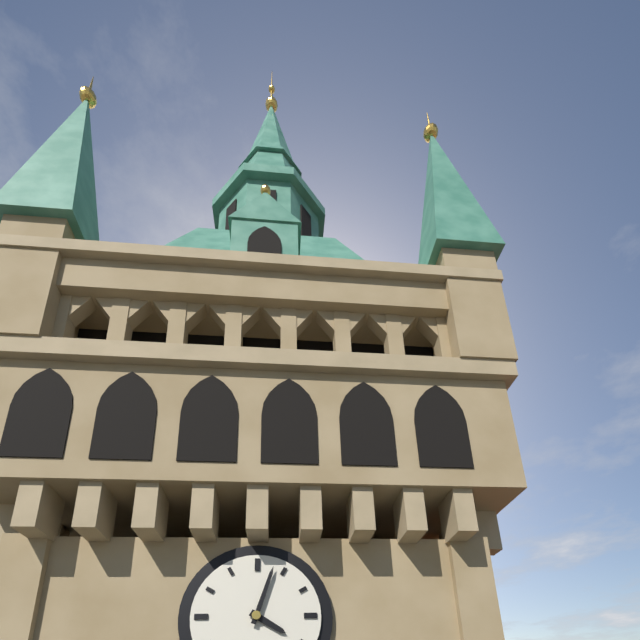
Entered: 4.03
